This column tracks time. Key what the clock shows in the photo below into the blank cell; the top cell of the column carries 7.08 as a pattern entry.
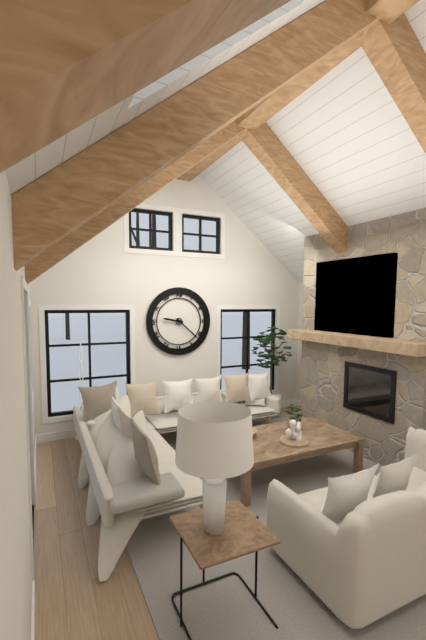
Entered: 9.22
